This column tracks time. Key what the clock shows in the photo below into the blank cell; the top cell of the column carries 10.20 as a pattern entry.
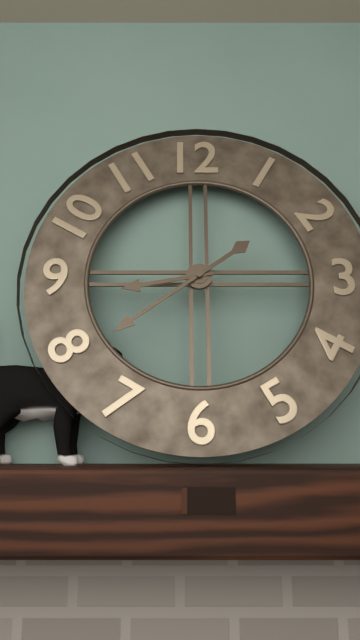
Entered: 8.39
